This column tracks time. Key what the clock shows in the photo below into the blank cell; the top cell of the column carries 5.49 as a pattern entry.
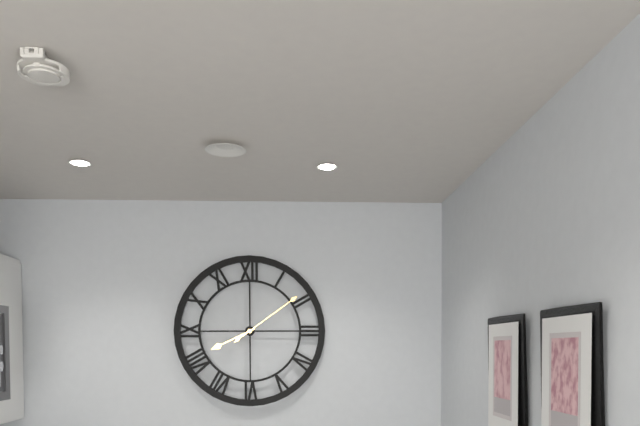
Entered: 8.09
